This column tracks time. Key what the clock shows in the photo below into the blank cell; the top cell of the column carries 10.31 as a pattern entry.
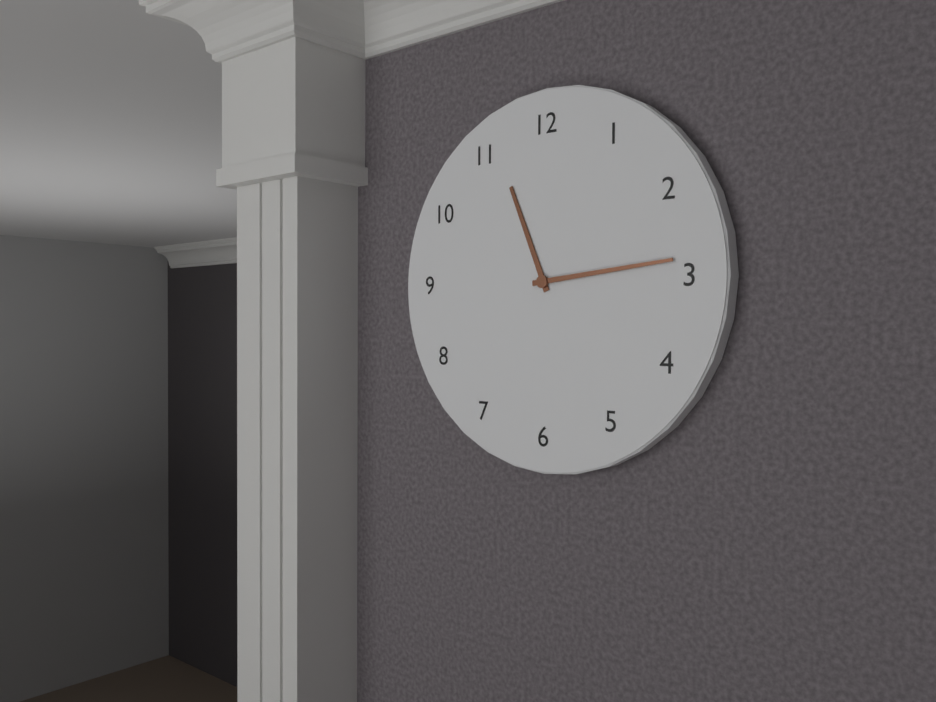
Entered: 11.14
